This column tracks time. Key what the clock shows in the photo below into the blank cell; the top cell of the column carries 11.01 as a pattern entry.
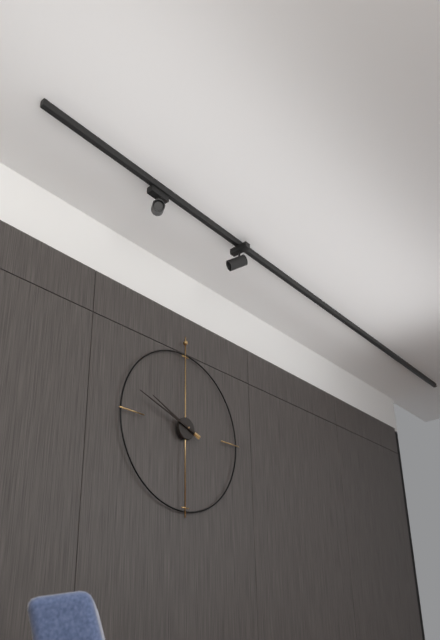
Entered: 9.48
